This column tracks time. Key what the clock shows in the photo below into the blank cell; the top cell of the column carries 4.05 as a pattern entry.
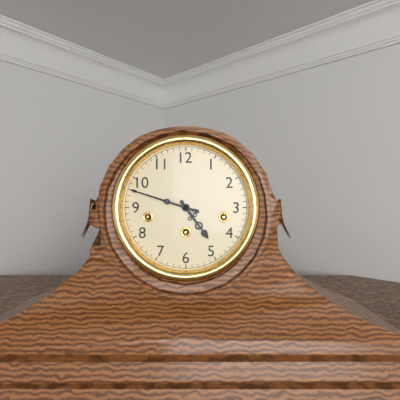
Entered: 4.48
